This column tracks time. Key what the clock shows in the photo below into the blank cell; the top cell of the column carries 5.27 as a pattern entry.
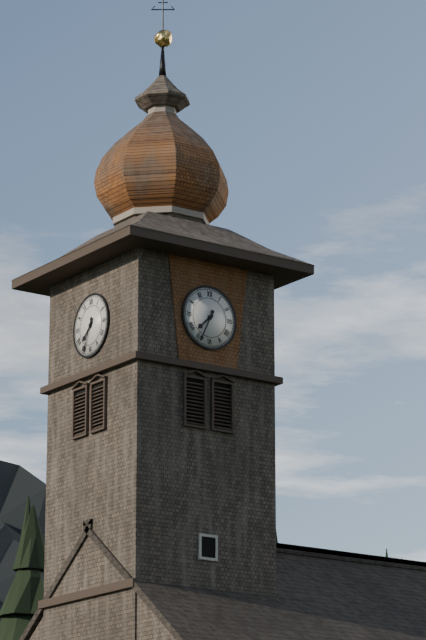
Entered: 7.34
